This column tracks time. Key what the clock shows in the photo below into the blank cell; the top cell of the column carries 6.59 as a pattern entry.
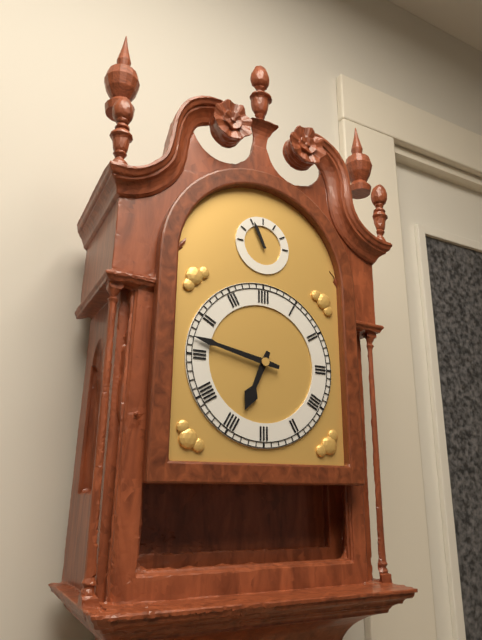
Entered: 6.47
